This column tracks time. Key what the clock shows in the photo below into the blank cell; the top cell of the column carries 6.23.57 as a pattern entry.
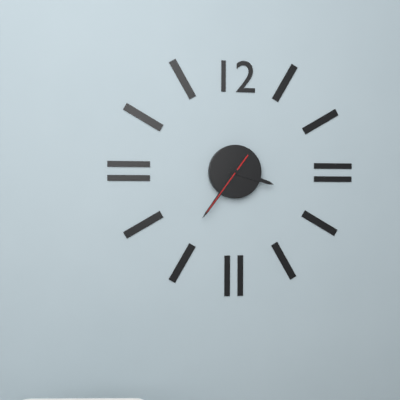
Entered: 3.36.36
